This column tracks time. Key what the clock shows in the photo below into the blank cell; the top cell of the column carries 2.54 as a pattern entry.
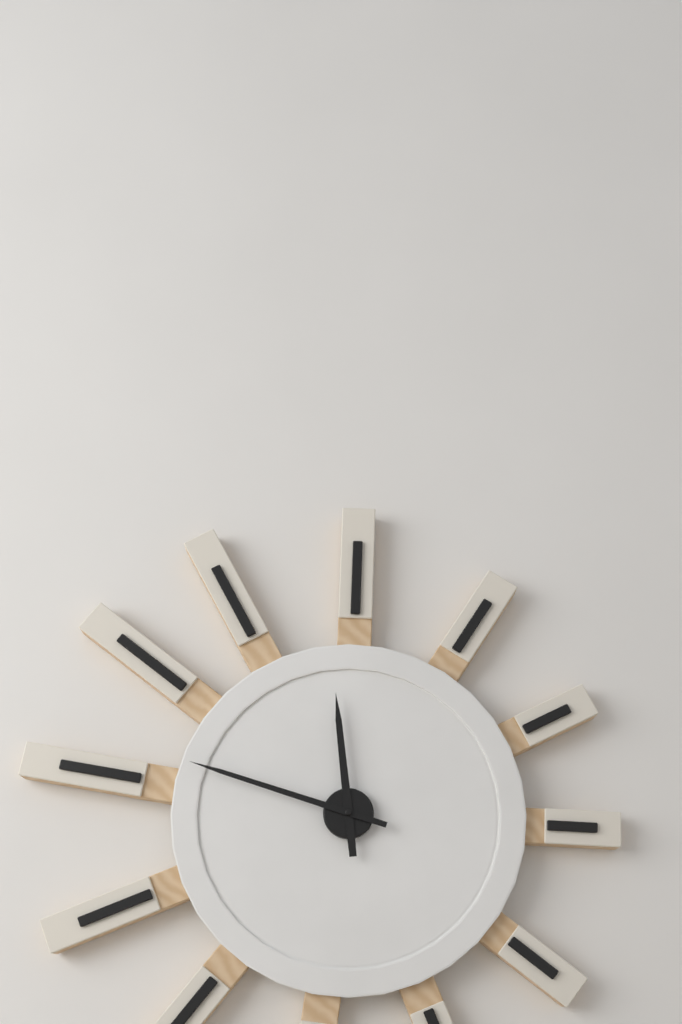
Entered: 11.48
